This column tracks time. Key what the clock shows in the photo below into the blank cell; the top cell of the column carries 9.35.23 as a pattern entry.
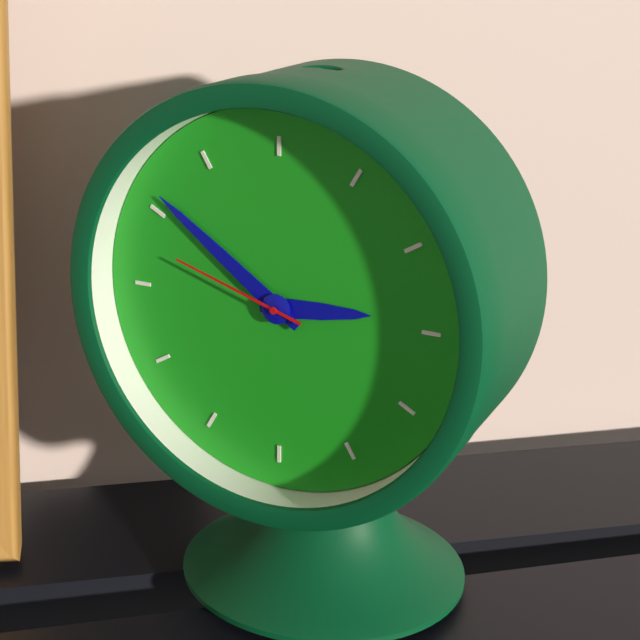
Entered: 2.51.48
